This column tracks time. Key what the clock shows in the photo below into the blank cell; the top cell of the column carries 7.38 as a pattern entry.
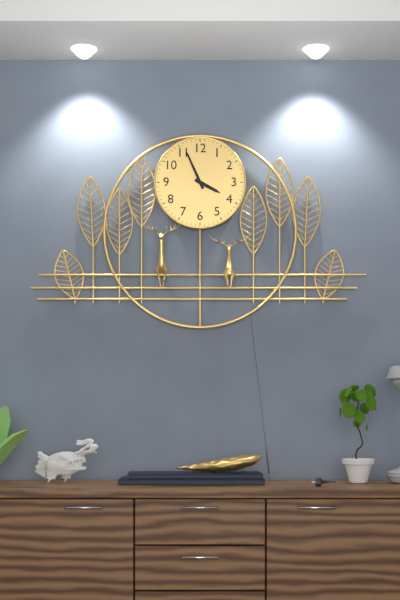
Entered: 3.56
